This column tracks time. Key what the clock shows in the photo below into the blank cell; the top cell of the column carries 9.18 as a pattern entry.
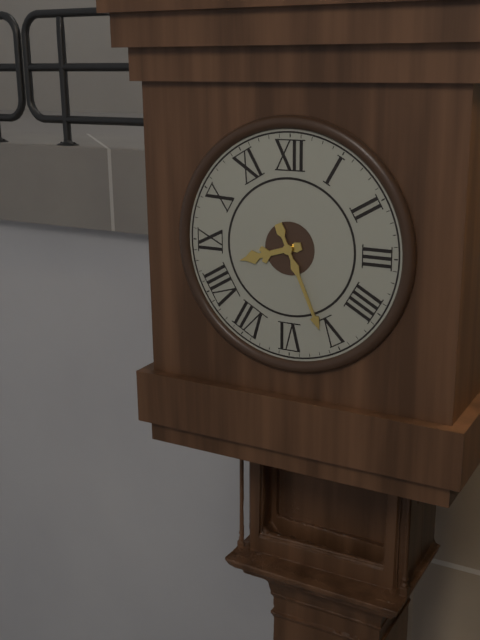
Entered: 8.26
